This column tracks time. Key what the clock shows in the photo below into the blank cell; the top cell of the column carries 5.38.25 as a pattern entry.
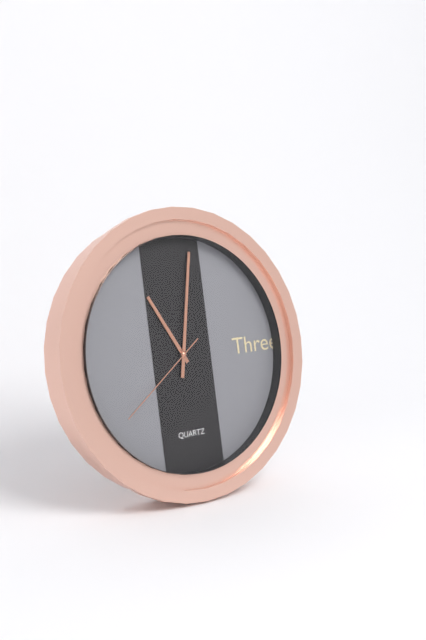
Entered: 11.02.39
